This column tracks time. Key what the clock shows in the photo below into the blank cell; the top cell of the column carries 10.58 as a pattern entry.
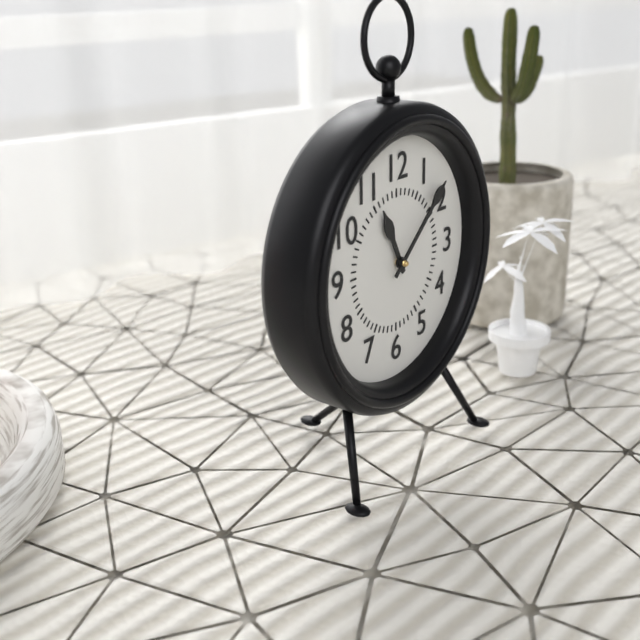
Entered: 11.08
